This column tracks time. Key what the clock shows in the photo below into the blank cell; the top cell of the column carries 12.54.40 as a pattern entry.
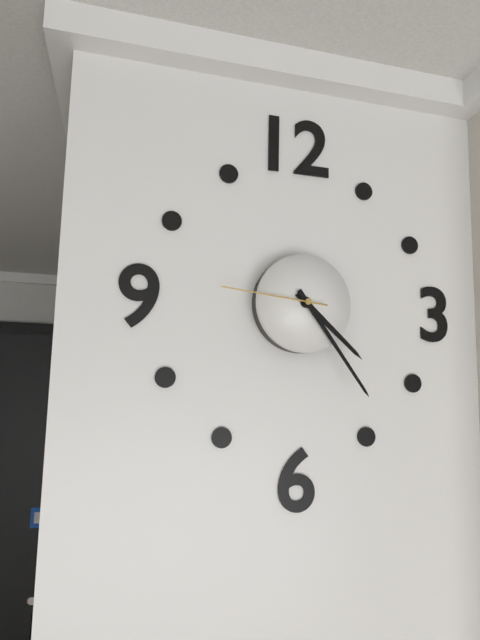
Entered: 4.24.46
